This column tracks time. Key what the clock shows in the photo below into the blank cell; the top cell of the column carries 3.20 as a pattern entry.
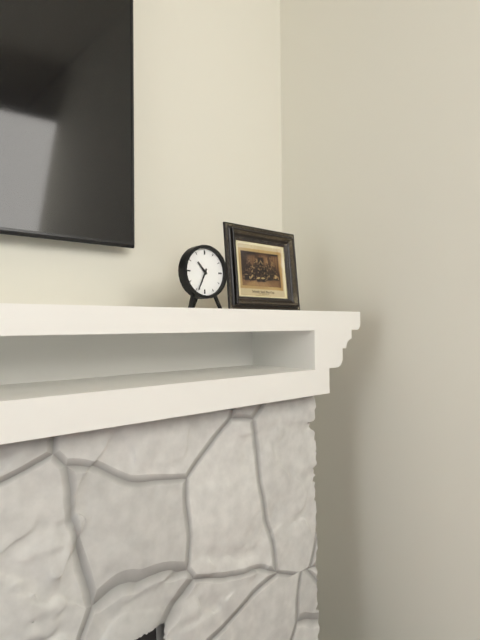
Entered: 10.34
